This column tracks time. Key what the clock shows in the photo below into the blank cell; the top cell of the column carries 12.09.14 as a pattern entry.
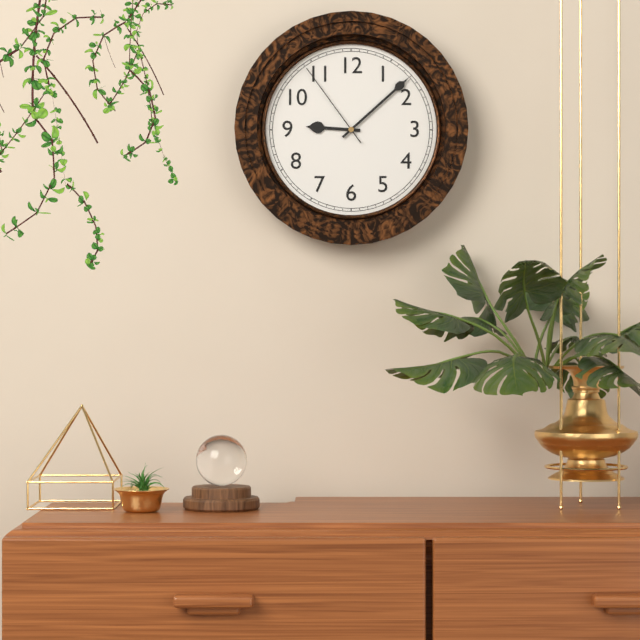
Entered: 9.08.54
